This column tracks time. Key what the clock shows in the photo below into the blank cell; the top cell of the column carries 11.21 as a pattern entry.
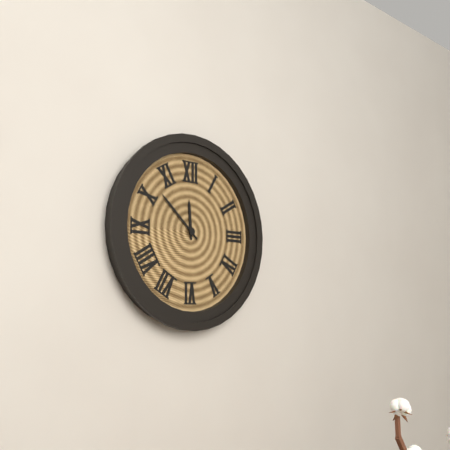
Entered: 11.52
